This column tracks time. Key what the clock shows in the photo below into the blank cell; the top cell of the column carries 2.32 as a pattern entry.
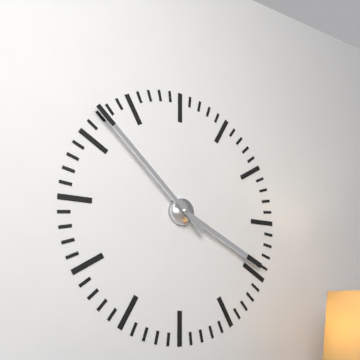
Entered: 3.52
